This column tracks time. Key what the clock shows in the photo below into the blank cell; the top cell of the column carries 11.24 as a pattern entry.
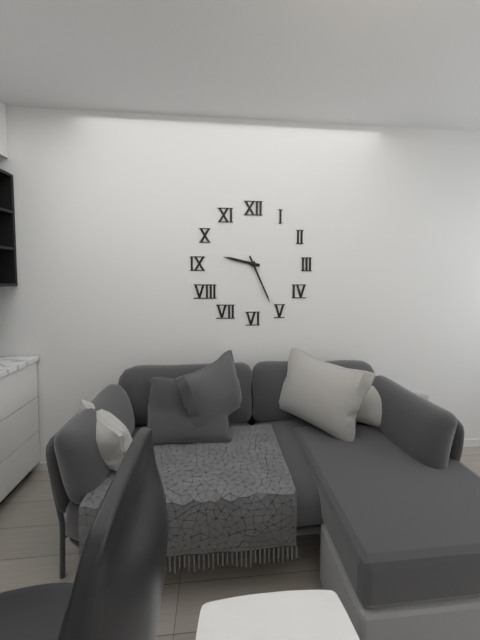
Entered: 9.26
